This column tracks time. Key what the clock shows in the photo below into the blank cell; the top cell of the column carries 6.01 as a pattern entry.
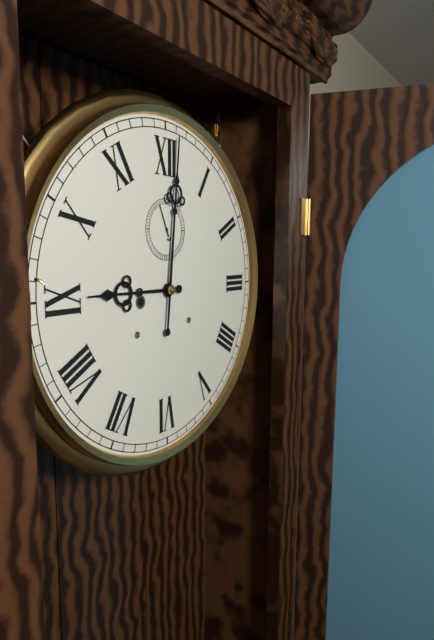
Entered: 9.01
